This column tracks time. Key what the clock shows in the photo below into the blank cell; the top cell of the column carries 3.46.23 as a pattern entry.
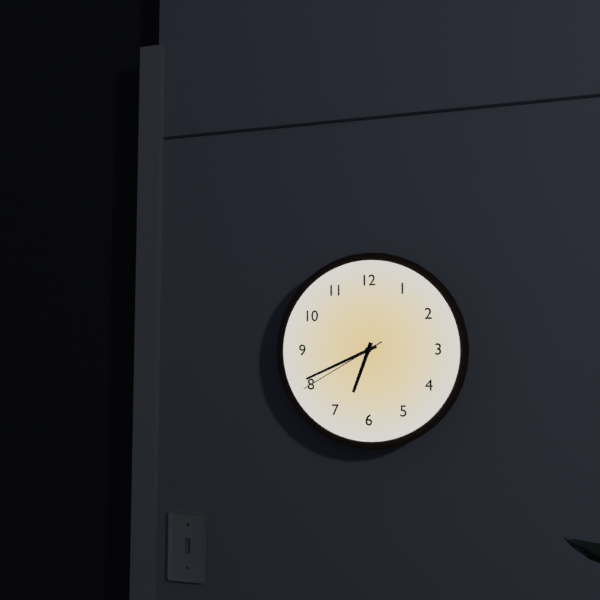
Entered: 6.41.40
